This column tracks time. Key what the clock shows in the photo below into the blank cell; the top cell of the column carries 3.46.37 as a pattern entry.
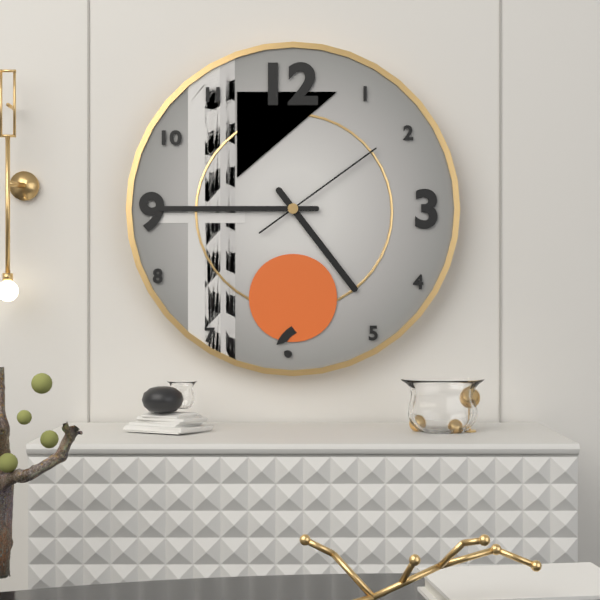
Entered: 4.45.09
